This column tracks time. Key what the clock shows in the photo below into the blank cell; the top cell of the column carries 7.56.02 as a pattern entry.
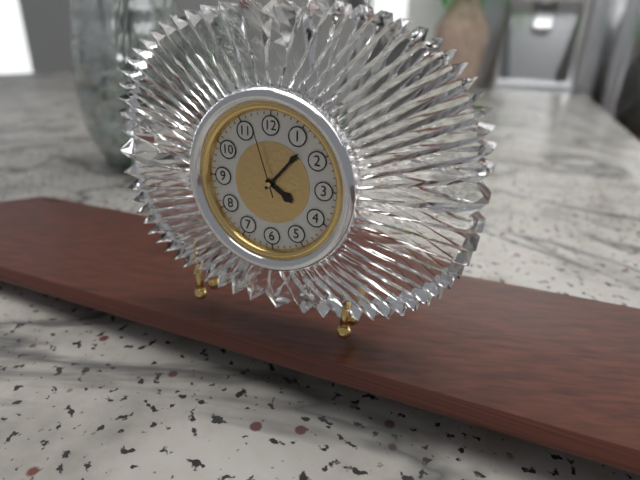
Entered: 4.07.57
